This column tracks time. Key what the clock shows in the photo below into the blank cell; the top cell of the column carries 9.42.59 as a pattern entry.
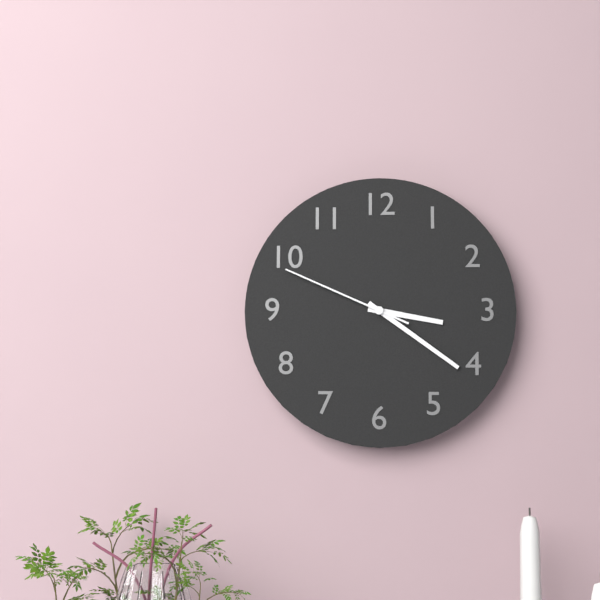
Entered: 3.21.49
